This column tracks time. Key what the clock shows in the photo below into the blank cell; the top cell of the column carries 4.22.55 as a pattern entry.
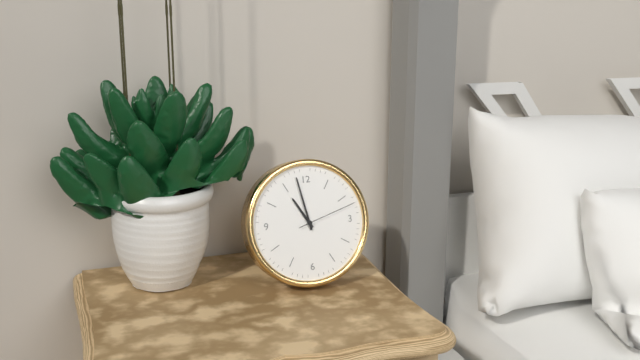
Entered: 10.58.12
